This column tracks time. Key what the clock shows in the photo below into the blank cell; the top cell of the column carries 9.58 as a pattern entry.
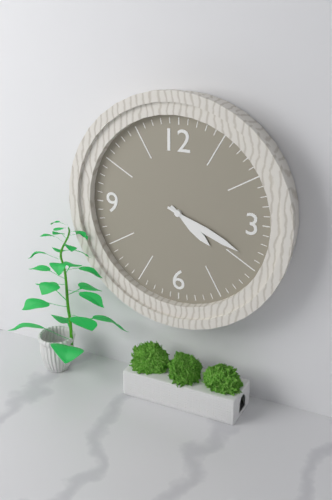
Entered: 4.19
